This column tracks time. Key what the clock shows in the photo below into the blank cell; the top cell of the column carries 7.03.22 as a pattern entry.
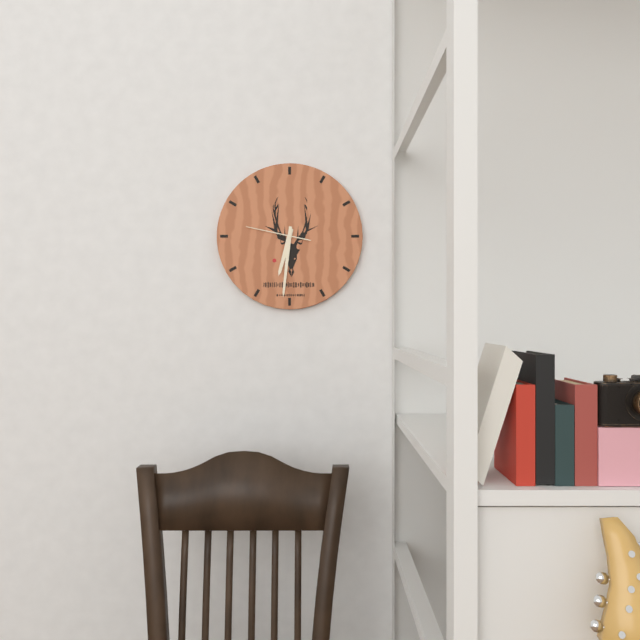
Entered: 6.31.47
